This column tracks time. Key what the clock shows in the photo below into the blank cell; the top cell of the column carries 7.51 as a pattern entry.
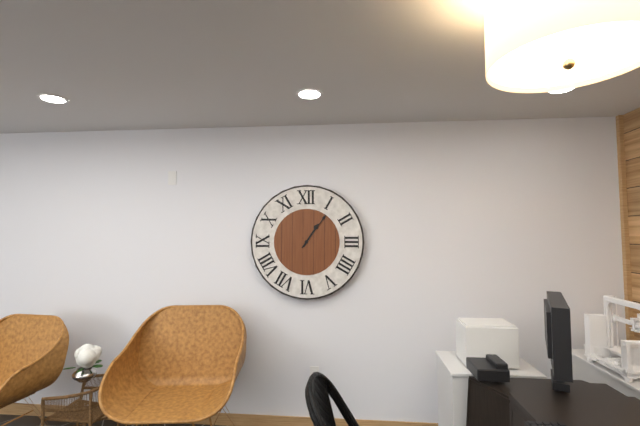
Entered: 1.06
